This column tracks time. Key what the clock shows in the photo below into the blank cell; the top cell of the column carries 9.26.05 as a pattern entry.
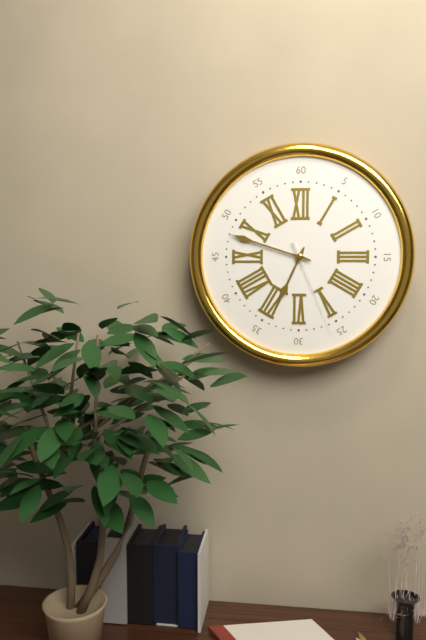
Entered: 6.48.26
